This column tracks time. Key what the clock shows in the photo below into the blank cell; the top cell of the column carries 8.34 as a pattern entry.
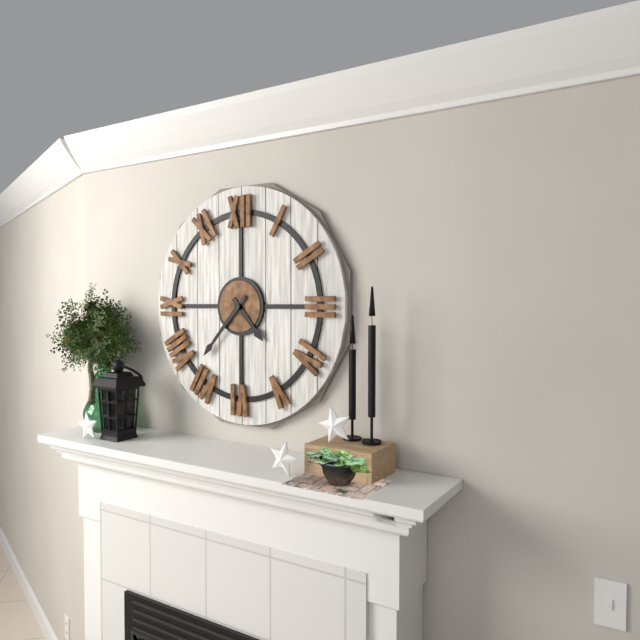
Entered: 4.37
